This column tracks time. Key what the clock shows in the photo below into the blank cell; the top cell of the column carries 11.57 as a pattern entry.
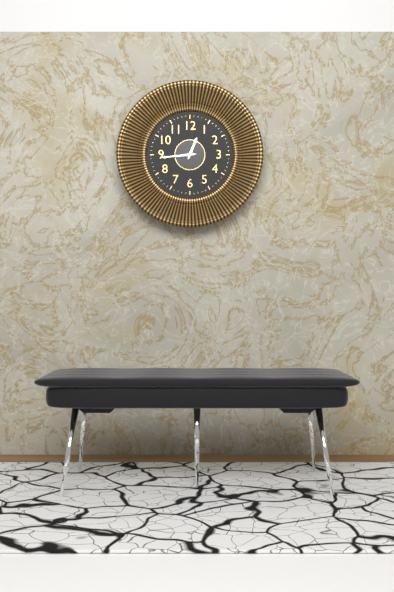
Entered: 12.44
